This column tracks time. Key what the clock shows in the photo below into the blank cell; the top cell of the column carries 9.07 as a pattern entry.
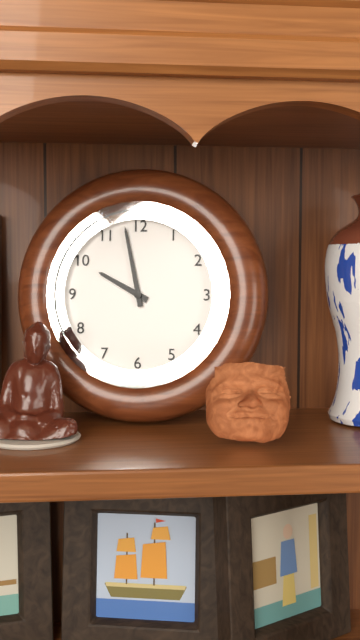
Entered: 9.58
